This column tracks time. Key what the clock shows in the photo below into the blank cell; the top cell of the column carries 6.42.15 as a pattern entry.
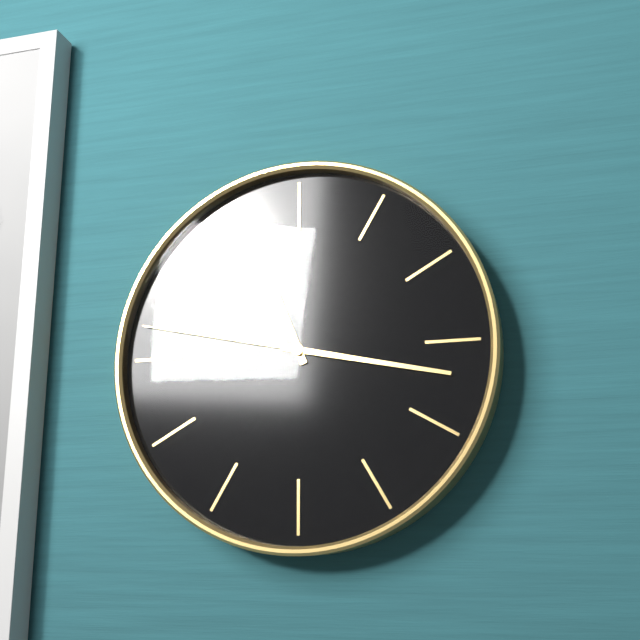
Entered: 11.17.47
